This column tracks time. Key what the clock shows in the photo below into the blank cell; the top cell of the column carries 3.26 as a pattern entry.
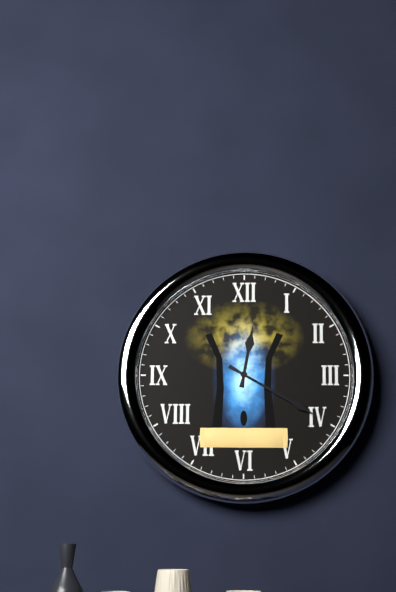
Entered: 12.20
